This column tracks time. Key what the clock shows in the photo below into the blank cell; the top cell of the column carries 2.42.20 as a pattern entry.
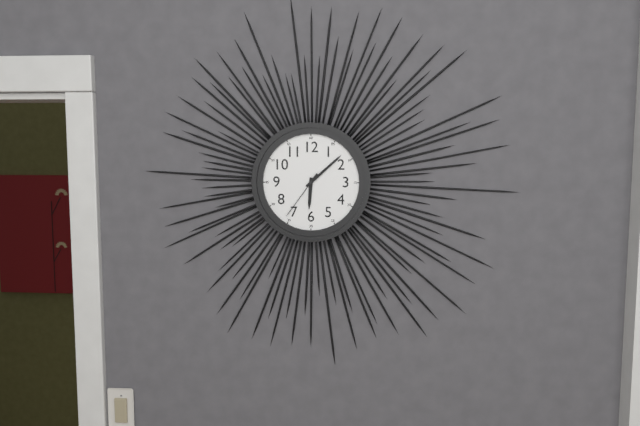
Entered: 6.08.36
